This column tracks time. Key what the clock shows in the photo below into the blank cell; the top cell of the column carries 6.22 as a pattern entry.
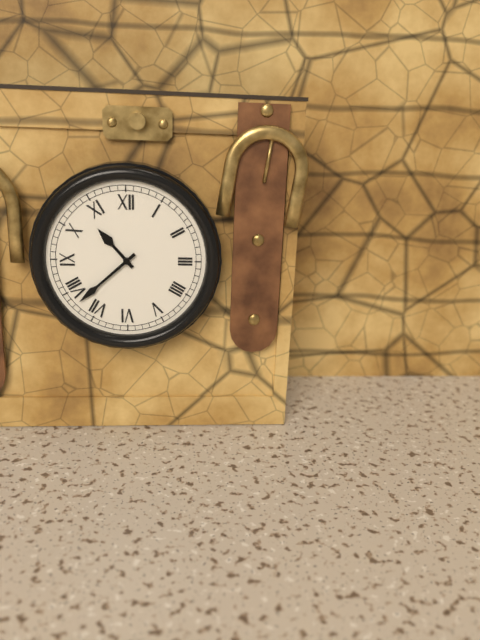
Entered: 10.38
